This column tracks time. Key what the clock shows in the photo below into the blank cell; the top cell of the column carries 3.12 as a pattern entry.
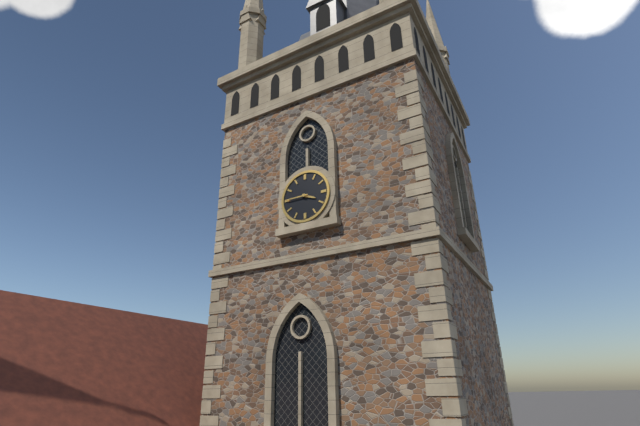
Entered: 3.45
